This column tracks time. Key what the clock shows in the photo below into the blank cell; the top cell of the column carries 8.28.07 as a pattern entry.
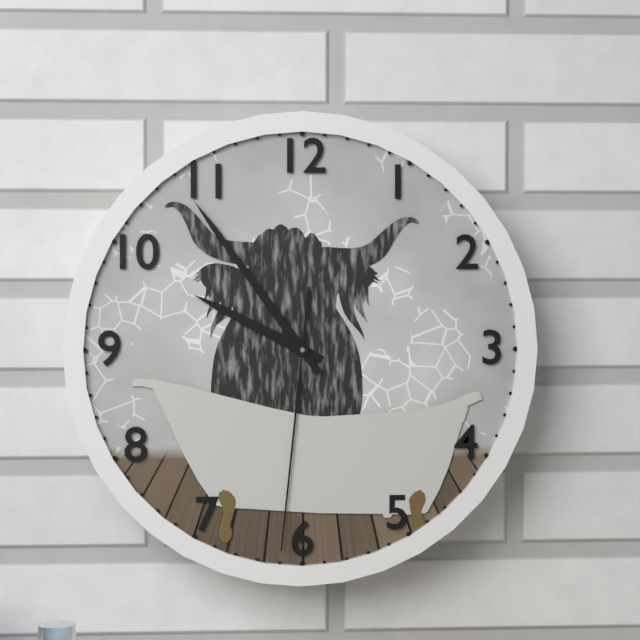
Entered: 9.54.31
